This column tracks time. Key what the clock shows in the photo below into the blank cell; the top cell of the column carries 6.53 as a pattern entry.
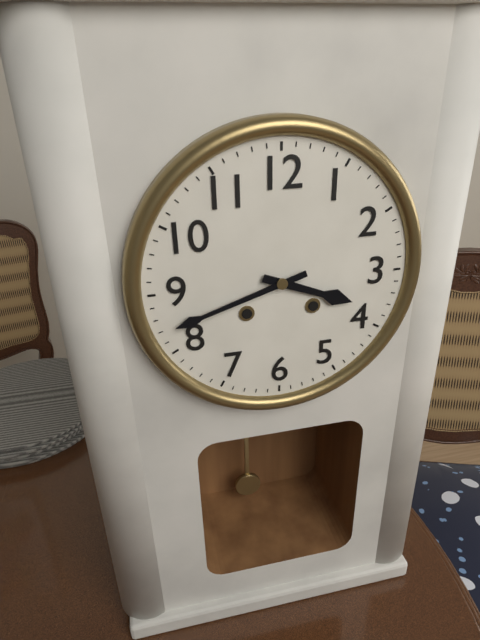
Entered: 3.42
